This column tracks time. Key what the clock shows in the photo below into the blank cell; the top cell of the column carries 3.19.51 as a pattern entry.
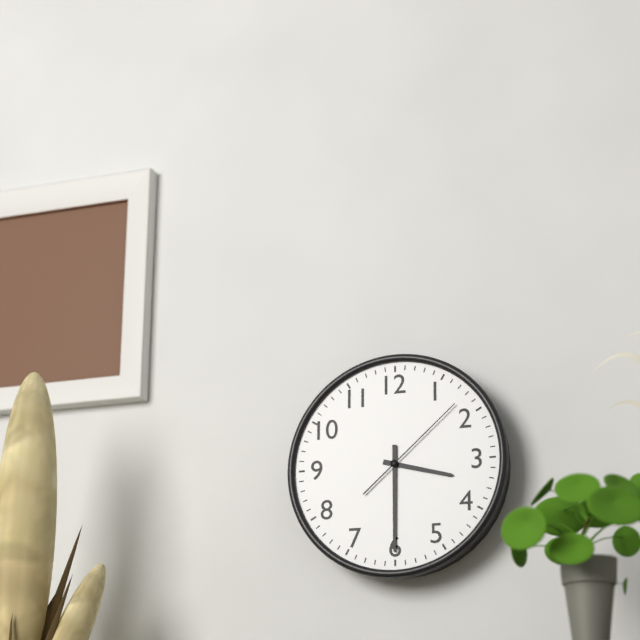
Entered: 3.30.08
